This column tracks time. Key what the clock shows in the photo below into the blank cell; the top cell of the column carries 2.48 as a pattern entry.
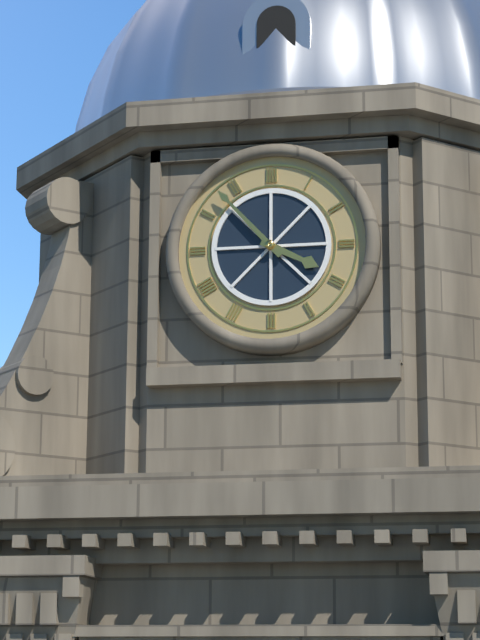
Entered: 3.53
